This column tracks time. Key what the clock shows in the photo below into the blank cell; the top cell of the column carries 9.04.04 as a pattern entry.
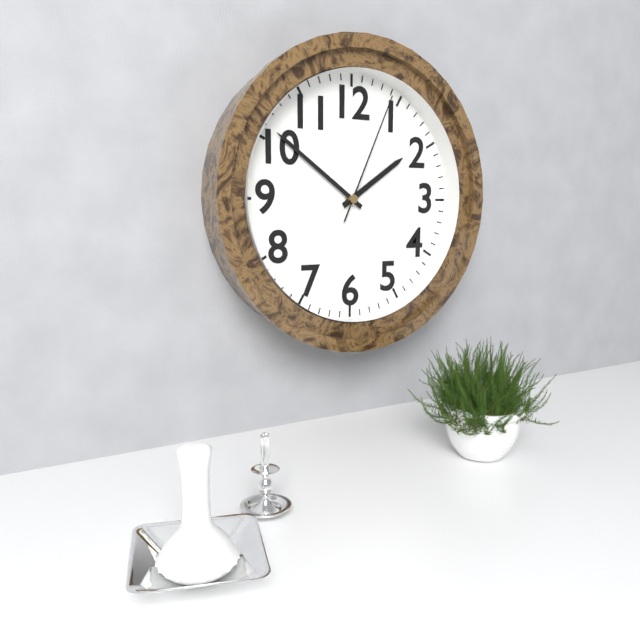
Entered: 1.51.04
